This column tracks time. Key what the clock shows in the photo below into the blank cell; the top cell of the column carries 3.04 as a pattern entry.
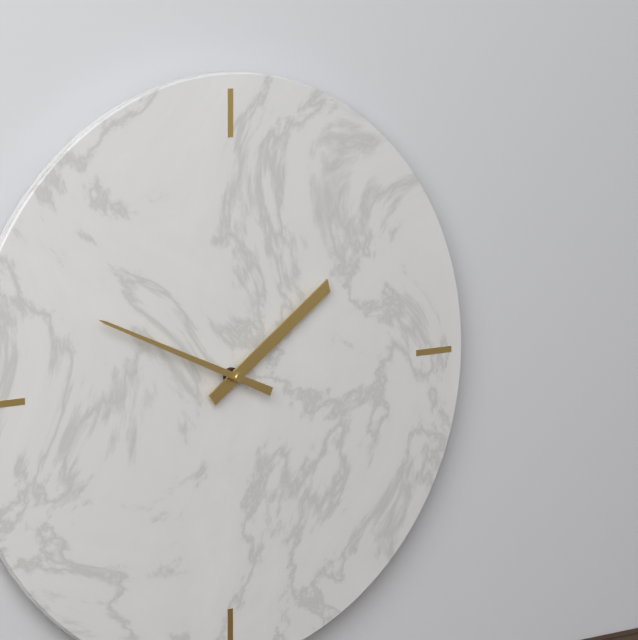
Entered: 1.49
